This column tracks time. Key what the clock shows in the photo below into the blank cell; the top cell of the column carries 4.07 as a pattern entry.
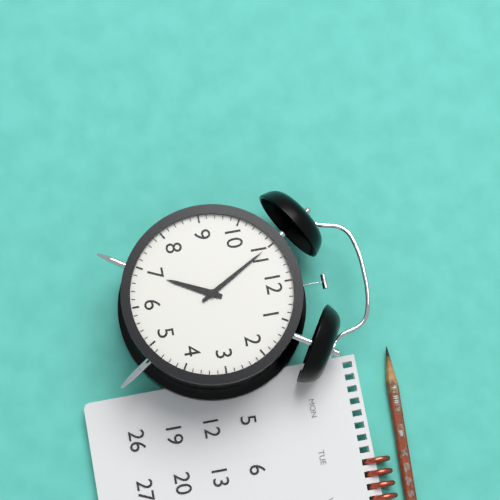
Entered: 6.55
